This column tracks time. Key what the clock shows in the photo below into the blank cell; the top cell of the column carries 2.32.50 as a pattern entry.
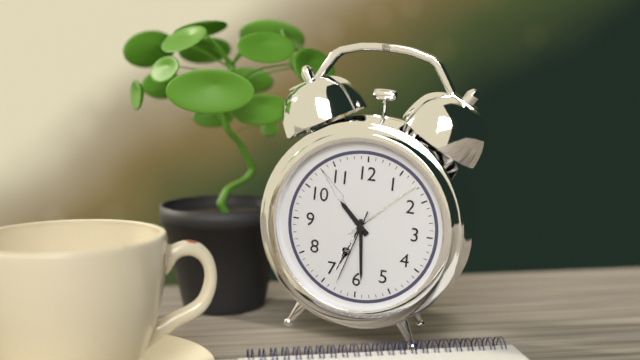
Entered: 10.29.33
